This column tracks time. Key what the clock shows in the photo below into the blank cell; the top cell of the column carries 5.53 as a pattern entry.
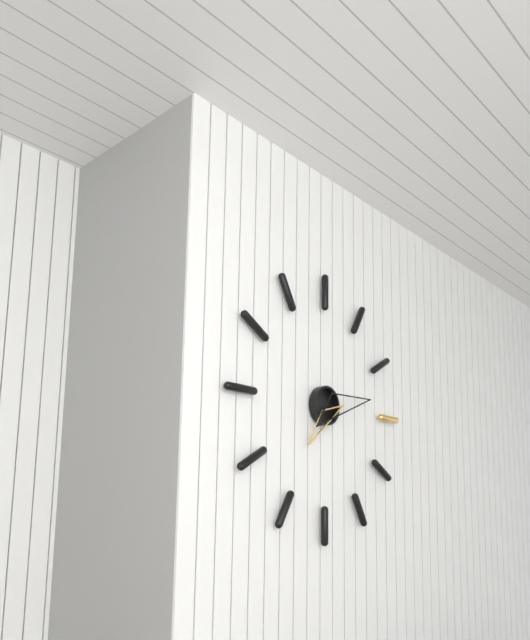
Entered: 7.13
